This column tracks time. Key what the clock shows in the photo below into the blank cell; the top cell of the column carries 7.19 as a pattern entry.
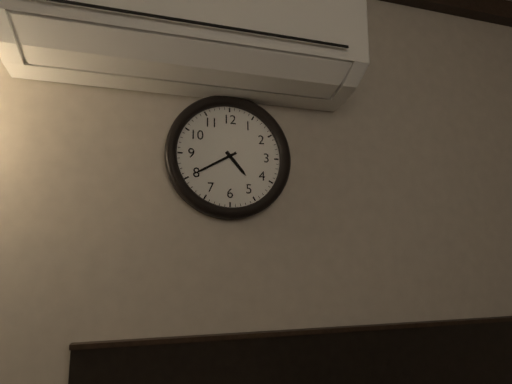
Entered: 4.40
